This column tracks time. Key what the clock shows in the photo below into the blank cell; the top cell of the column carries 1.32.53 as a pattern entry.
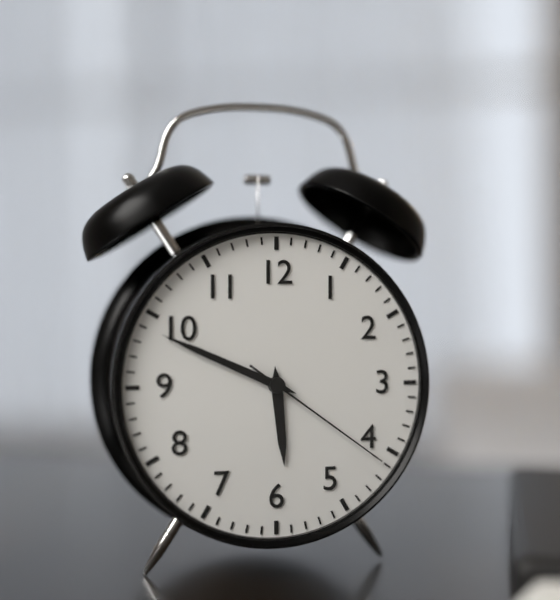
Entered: 5.49.21
